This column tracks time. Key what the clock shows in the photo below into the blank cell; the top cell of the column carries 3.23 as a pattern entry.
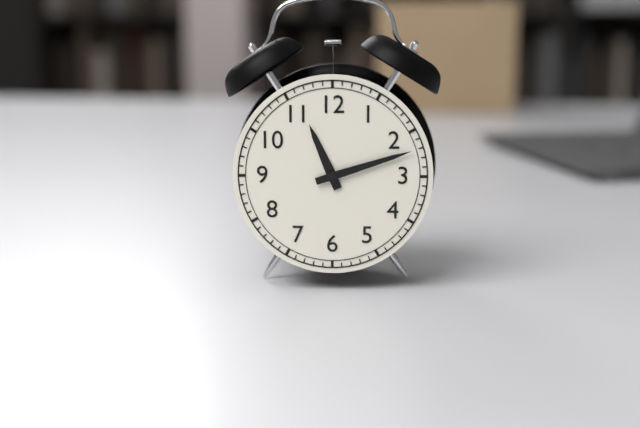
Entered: 11.12
